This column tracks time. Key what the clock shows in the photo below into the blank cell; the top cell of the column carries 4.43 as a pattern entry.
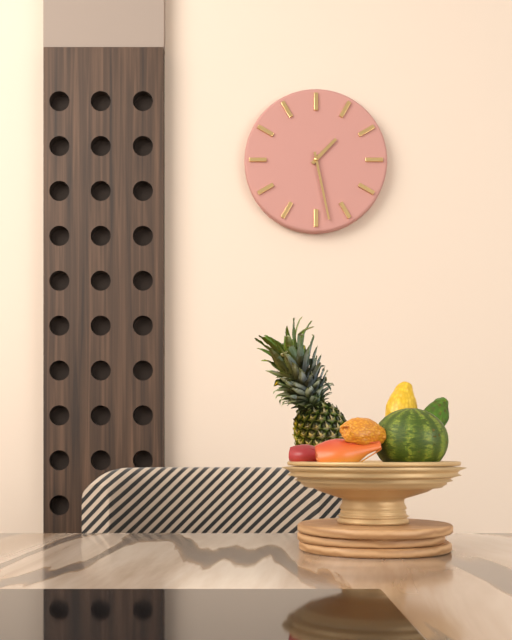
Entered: 1.28
